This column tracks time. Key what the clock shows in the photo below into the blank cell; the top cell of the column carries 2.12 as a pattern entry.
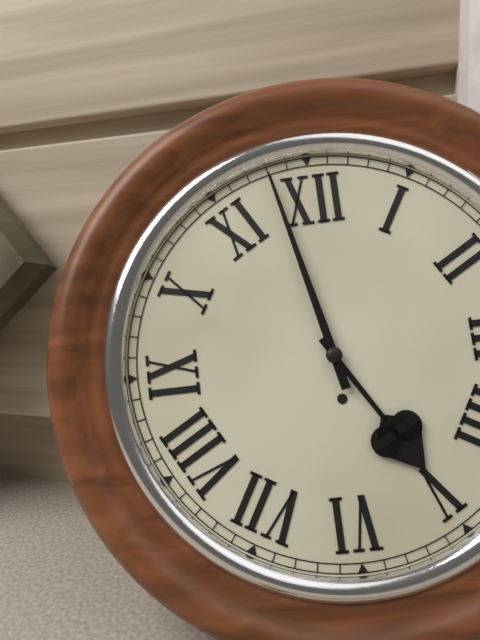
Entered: 4.58
